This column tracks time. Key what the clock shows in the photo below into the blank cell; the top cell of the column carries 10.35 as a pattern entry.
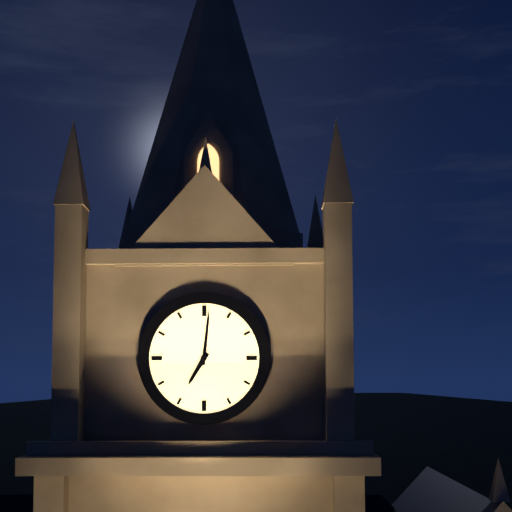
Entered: 7.01
